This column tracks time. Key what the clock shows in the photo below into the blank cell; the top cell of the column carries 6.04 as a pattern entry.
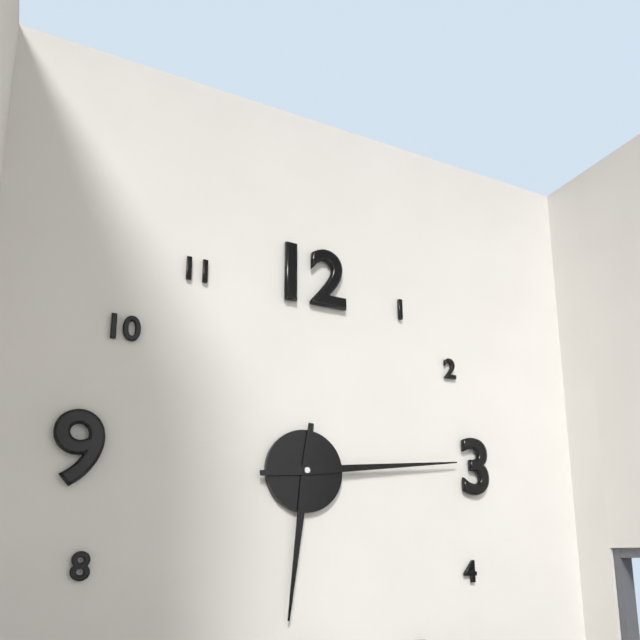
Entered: 6.14
